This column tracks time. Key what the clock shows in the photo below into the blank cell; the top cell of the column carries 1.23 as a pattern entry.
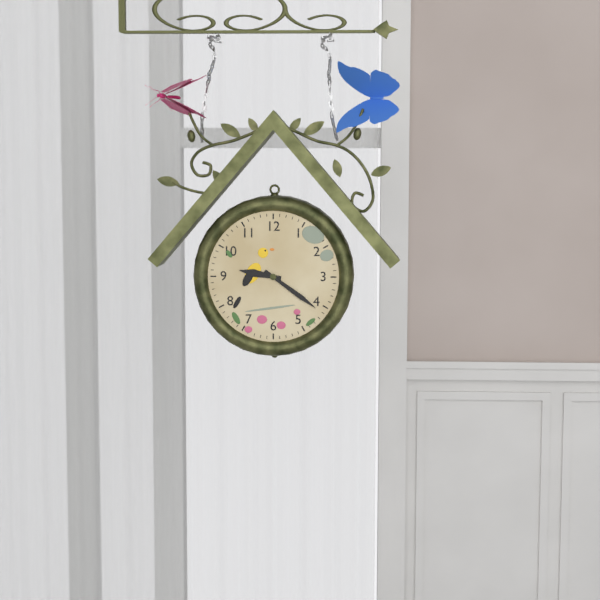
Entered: 9.21
